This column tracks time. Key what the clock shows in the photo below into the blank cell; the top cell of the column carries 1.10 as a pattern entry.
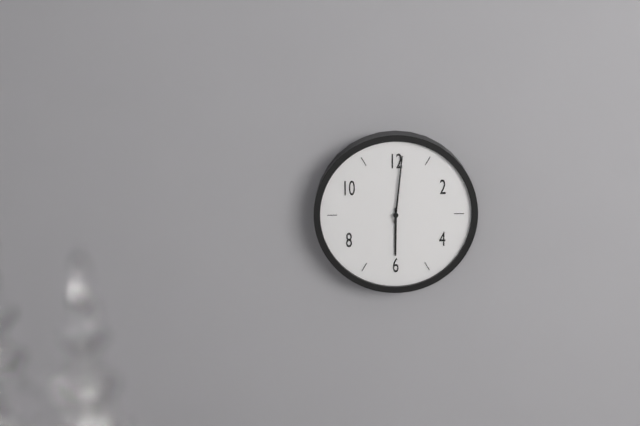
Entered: 6.01
